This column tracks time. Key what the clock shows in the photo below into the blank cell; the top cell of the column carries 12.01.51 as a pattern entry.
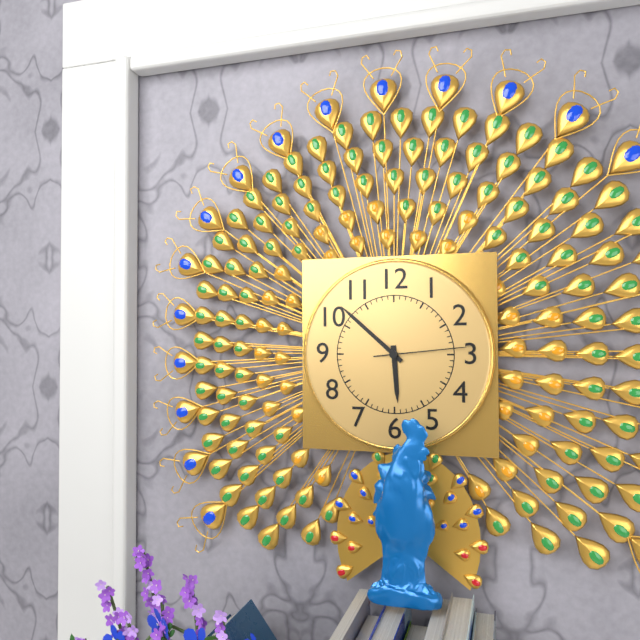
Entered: 5.52.14
